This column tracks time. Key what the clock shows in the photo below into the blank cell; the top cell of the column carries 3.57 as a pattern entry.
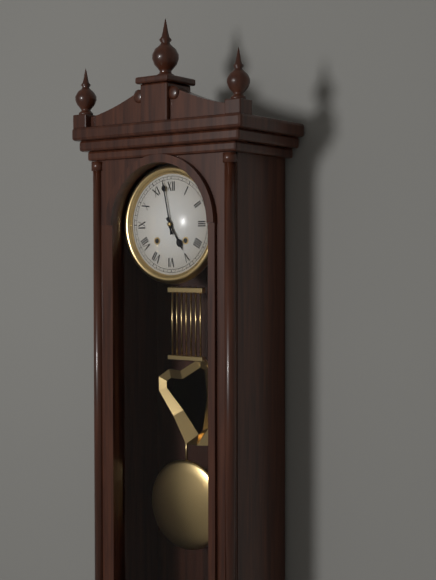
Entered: 4.58
